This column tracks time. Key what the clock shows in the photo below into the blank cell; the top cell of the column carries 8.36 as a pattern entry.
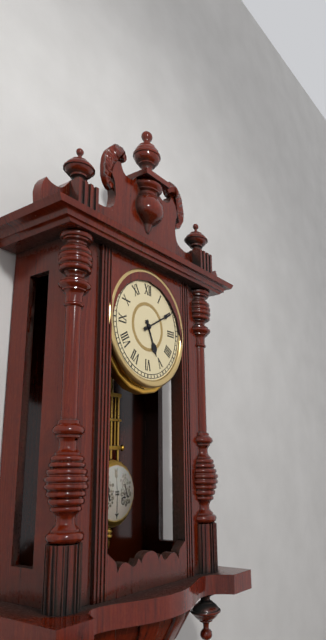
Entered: 5.10
